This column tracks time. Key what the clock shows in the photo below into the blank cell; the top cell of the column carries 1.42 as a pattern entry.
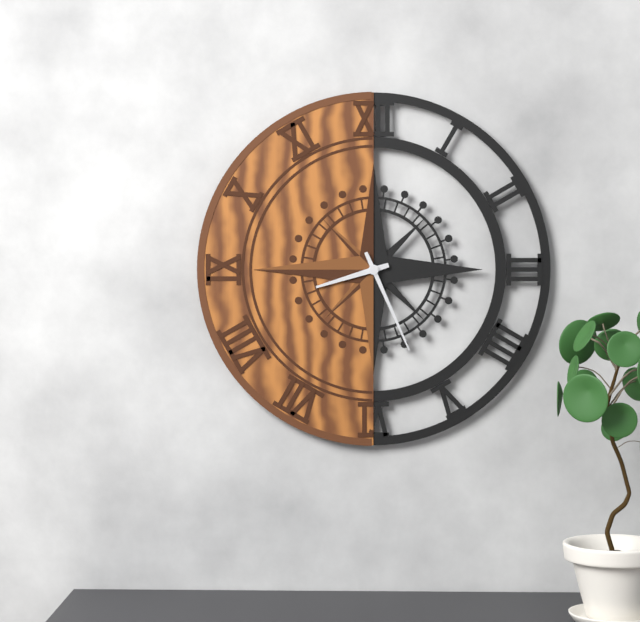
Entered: 8.26
